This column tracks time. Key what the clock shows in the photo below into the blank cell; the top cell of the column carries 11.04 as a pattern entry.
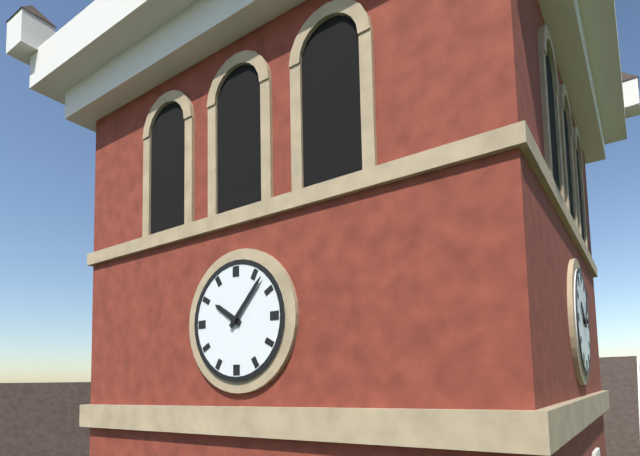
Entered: 10.07
